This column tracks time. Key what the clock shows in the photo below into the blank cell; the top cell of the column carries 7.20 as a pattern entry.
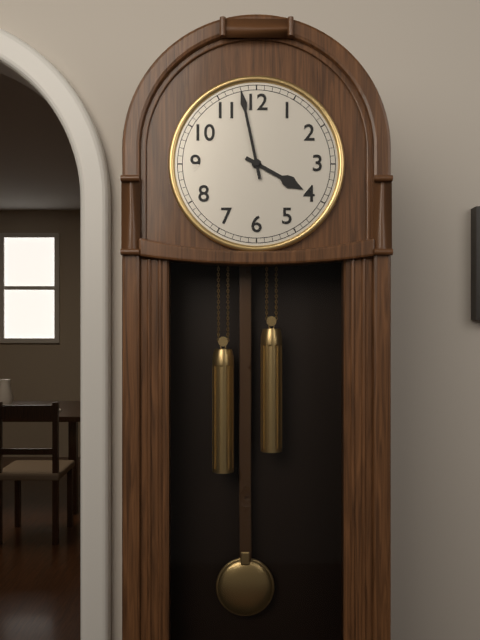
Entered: 3.58
